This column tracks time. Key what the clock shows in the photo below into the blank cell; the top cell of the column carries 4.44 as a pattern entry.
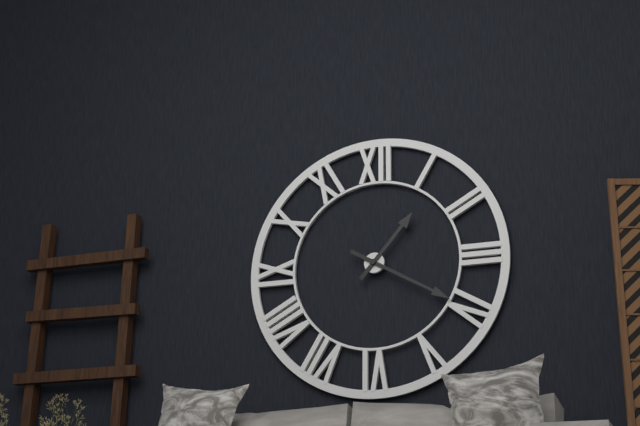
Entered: 1.20
